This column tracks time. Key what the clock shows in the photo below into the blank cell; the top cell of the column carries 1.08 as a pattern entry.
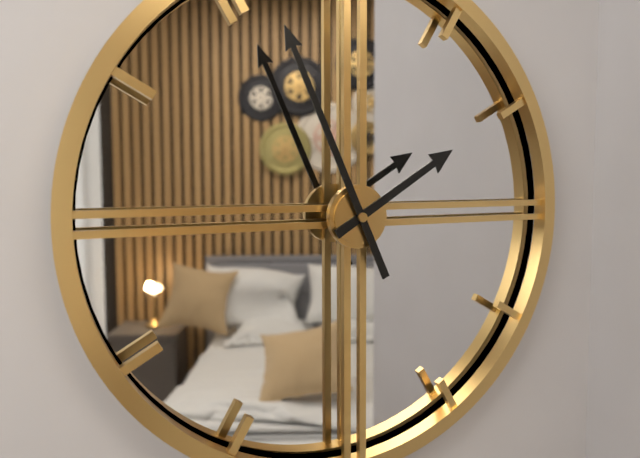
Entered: 1.56
